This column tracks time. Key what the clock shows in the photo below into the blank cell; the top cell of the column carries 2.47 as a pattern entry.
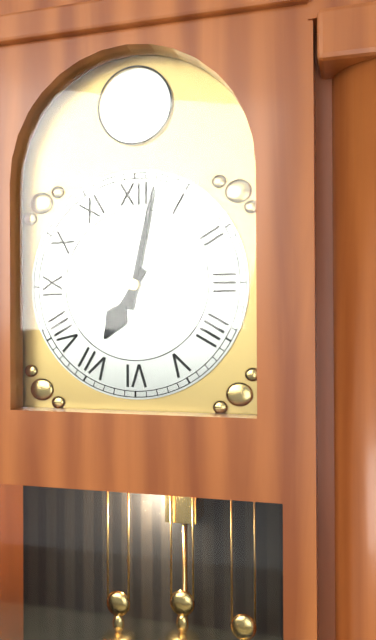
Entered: 7.02
